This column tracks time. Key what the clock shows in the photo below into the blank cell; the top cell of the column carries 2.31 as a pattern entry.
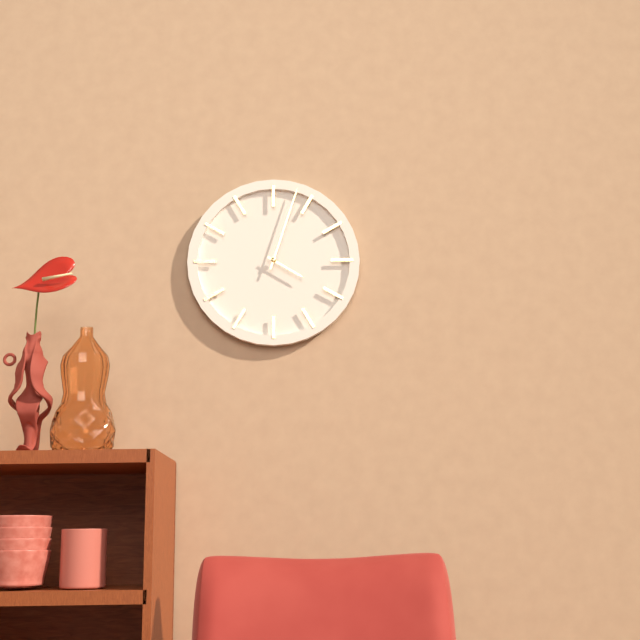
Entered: 4.03
